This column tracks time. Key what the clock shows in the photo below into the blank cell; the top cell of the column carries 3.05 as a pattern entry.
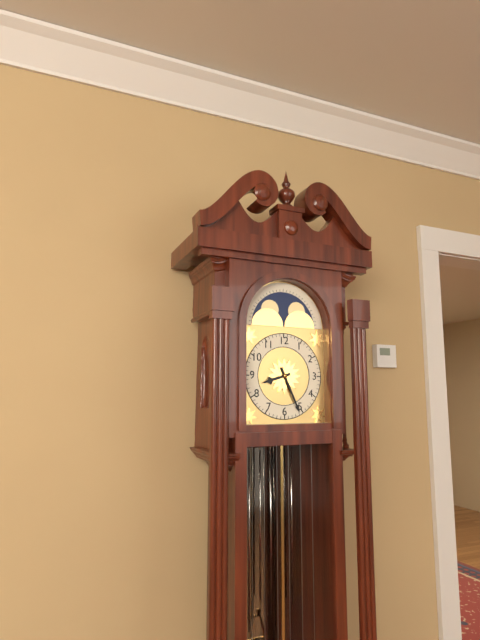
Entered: 8.26
